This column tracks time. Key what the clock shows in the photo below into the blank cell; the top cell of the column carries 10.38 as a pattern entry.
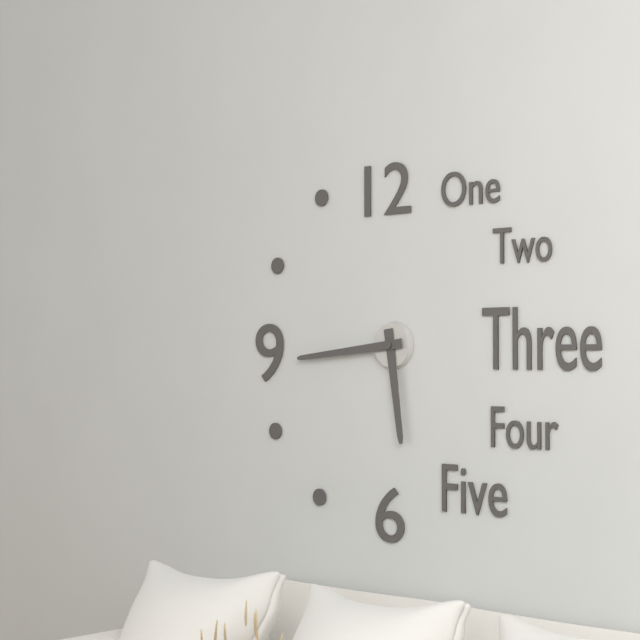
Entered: 5.44
